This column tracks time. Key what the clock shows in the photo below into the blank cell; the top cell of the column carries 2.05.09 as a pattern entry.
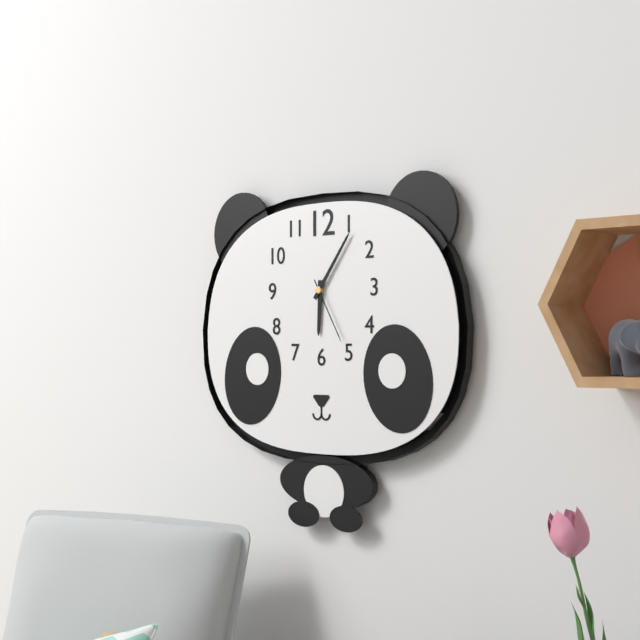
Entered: 6.06.25
